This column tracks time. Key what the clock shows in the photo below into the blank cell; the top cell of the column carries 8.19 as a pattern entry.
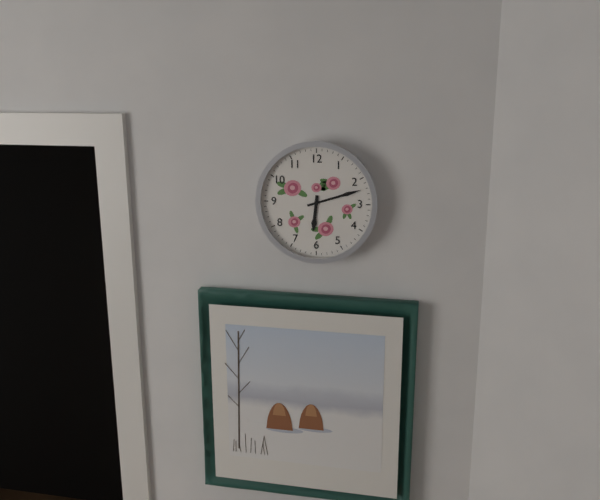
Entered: 6.12
